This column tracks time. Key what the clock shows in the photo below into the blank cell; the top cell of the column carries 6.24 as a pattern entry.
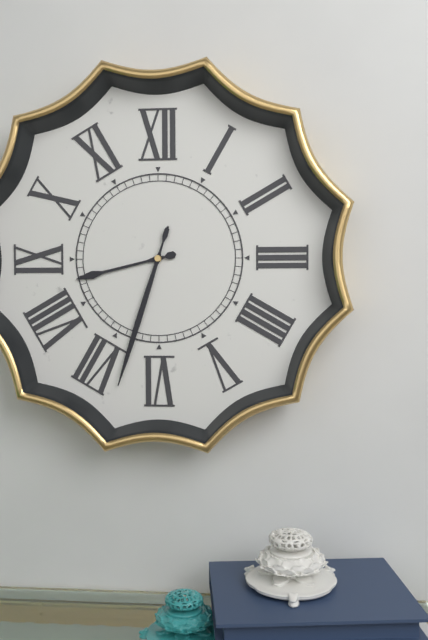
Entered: 8.33
